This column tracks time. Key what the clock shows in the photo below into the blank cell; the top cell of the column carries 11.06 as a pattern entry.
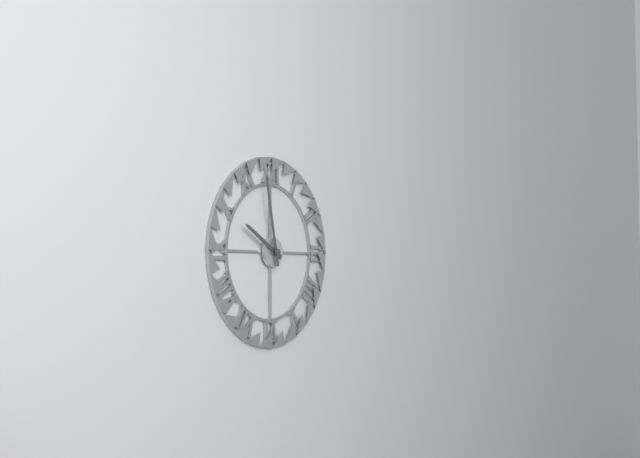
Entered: 9.58
